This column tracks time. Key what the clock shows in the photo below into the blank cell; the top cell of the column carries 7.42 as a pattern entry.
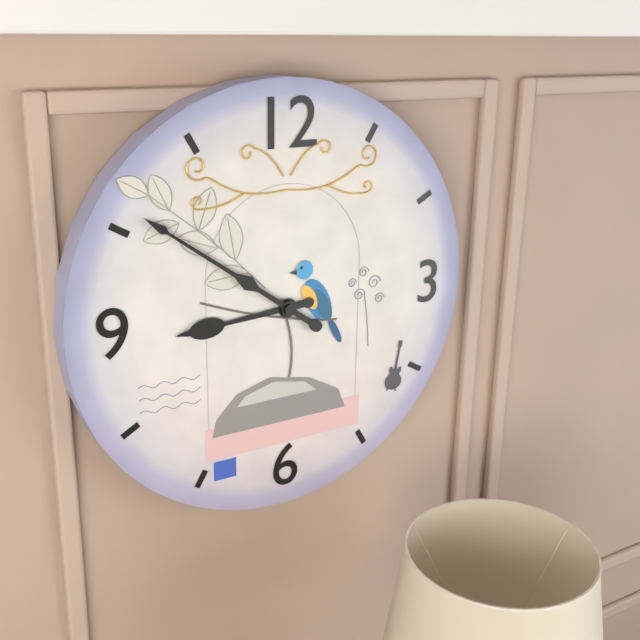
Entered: 8.51
